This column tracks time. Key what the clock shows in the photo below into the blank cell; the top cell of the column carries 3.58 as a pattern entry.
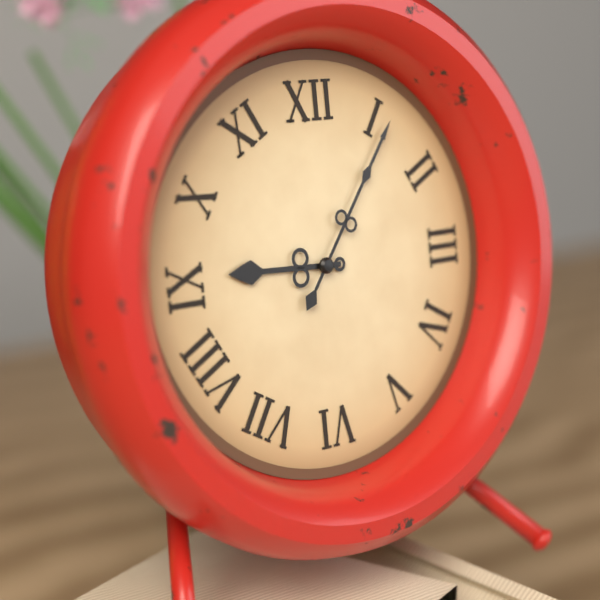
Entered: 9.06
